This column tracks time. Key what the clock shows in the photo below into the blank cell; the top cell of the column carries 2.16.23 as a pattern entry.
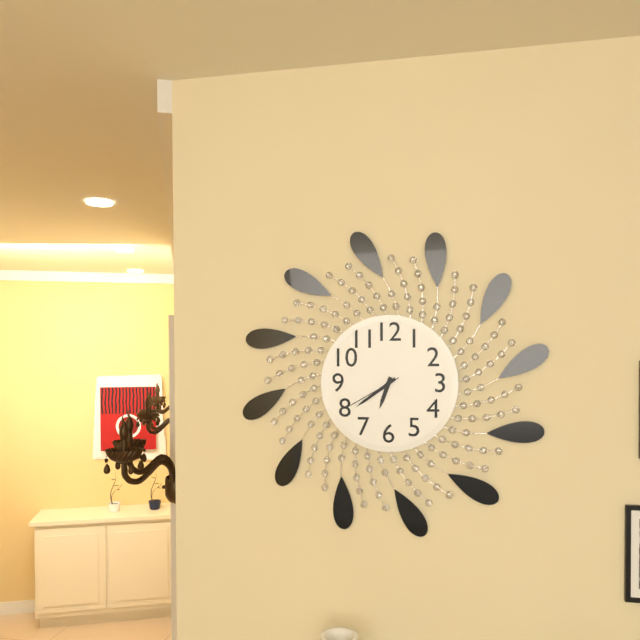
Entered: 6.39.40
